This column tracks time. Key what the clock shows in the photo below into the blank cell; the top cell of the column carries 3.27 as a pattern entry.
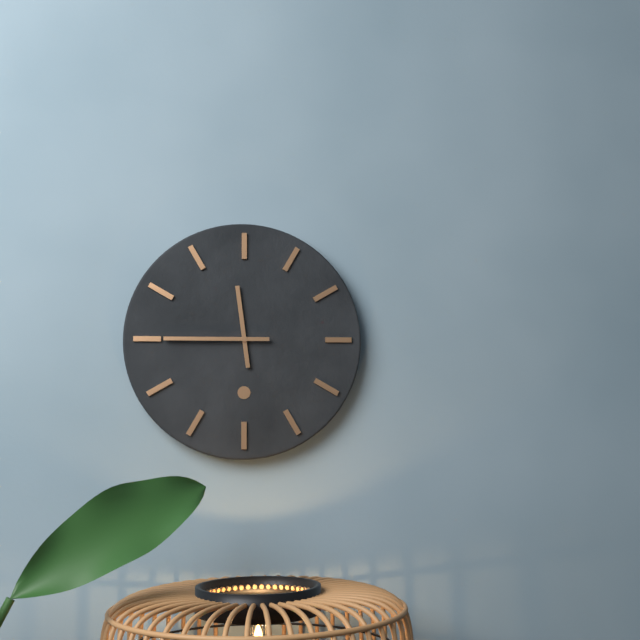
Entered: 11.45
